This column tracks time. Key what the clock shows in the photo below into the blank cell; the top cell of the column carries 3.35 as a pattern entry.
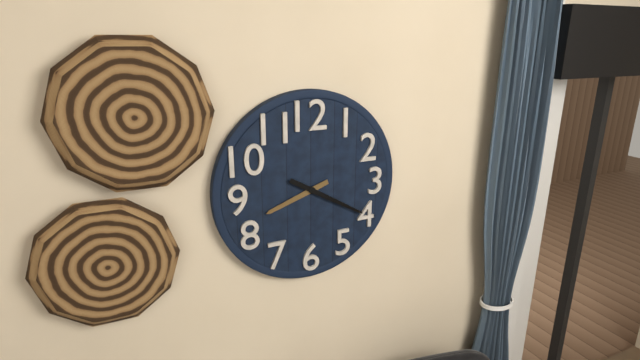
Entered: 8.20
